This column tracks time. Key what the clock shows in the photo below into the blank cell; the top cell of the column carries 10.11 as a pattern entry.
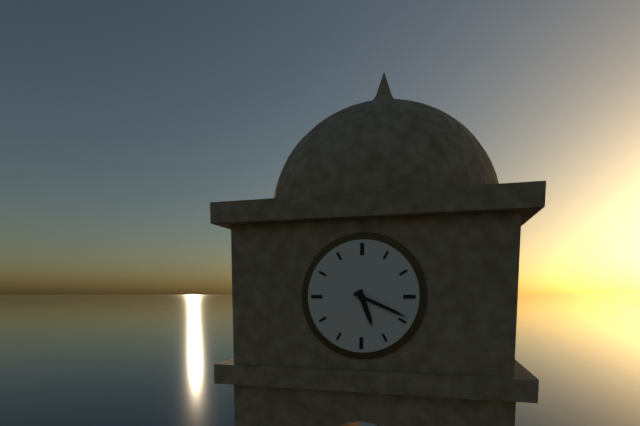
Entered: 5.19
